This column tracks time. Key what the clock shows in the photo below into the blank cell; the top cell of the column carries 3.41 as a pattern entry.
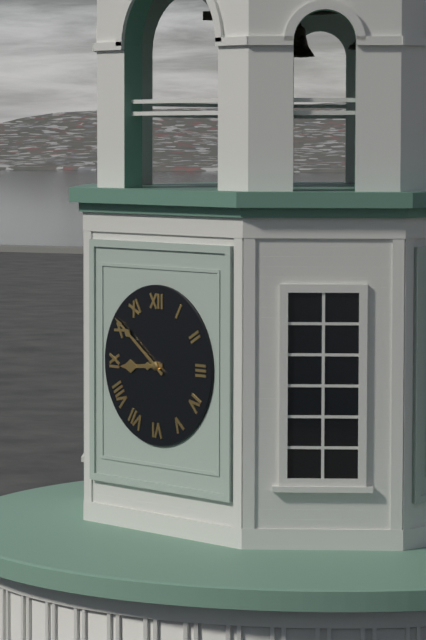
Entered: 8.51
